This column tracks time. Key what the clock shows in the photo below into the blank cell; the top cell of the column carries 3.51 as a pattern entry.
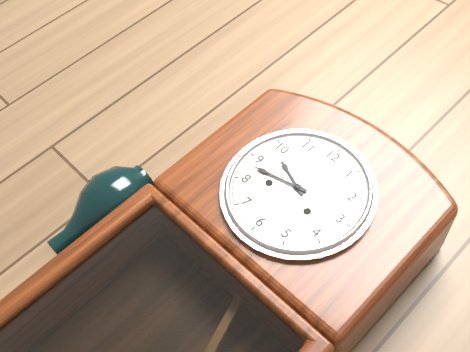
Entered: 9.43
